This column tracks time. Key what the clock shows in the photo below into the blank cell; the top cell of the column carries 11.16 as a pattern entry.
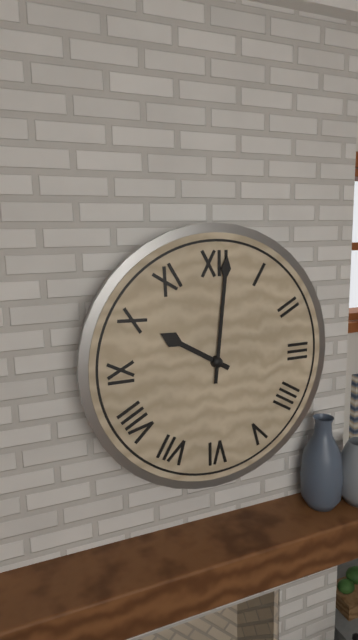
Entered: 10.01
